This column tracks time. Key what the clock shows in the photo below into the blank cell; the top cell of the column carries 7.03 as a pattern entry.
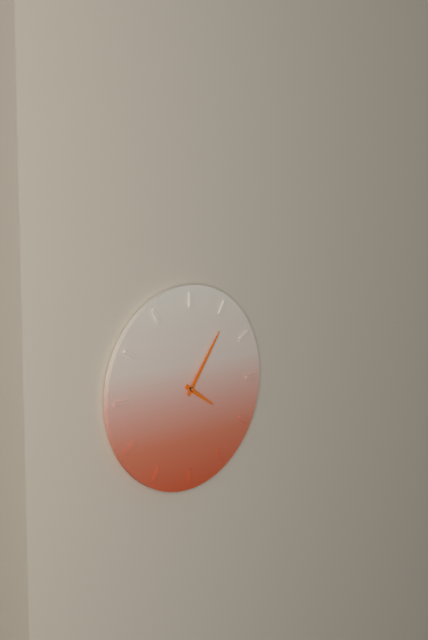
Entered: 4.06
